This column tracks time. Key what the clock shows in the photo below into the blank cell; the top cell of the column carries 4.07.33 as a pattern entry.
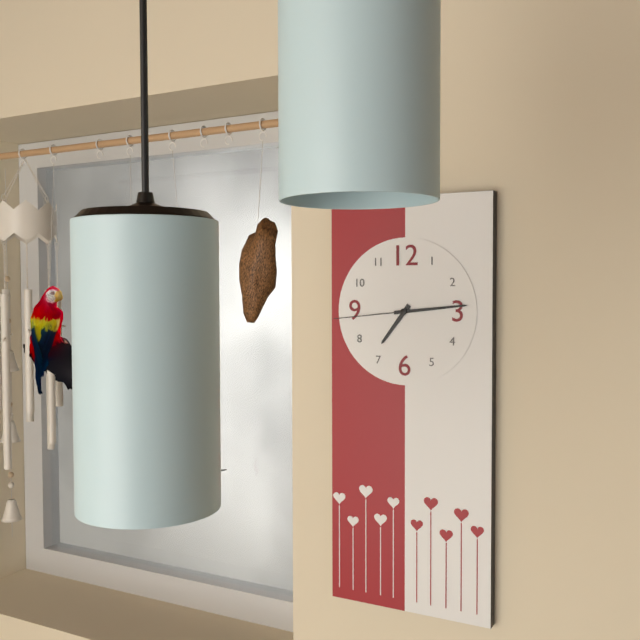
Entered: 7.14.44
